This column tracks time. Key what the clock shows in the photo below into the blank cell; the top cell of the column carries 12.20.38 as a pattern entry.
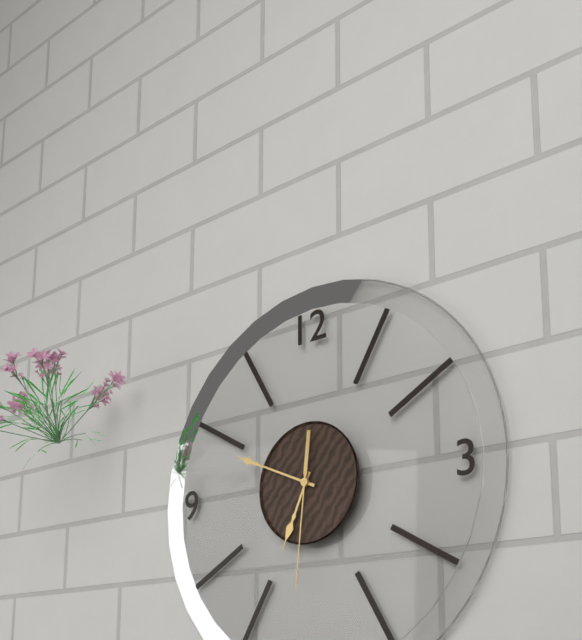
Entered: 6.49.31
